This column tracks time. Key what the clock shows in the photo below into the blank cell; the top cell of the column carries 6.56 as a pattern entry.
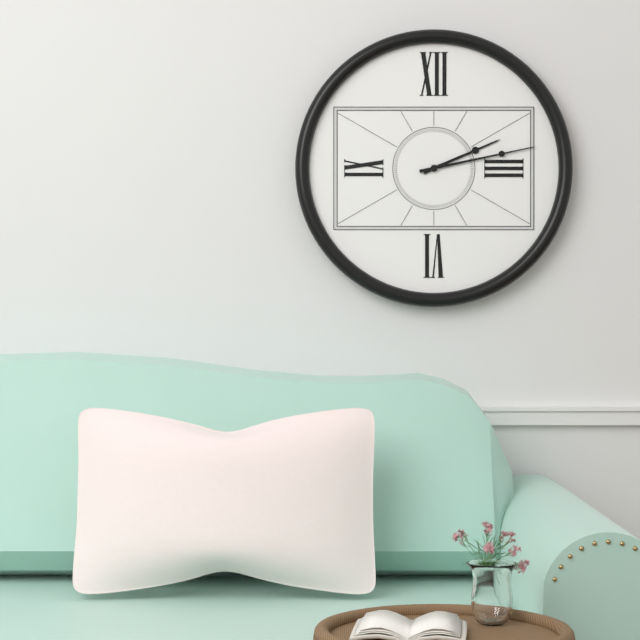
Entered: 2.13
